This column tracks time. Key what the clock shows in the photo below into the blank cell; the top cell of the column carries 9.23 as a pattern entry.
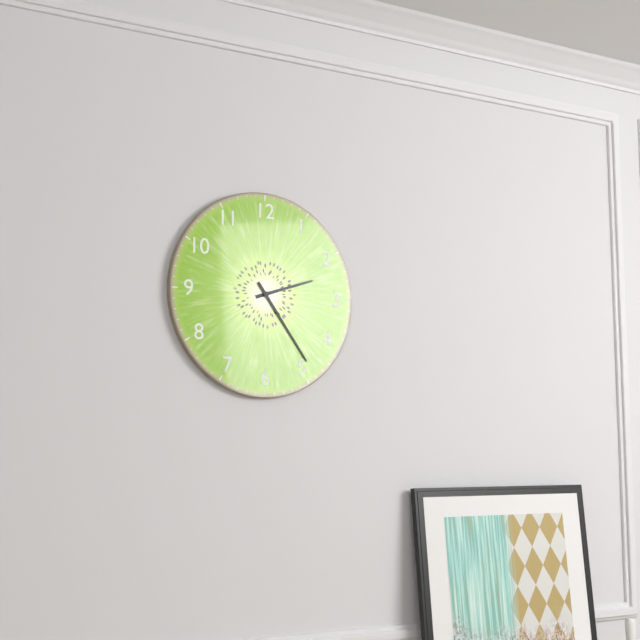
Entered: 2.24
